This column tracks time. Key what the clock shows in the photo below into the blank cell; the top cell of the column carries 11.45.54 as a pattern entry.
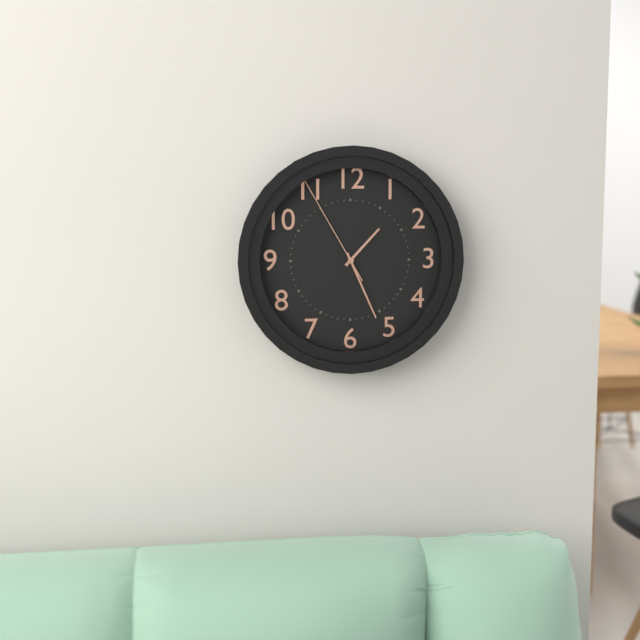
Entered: 1.26.55
